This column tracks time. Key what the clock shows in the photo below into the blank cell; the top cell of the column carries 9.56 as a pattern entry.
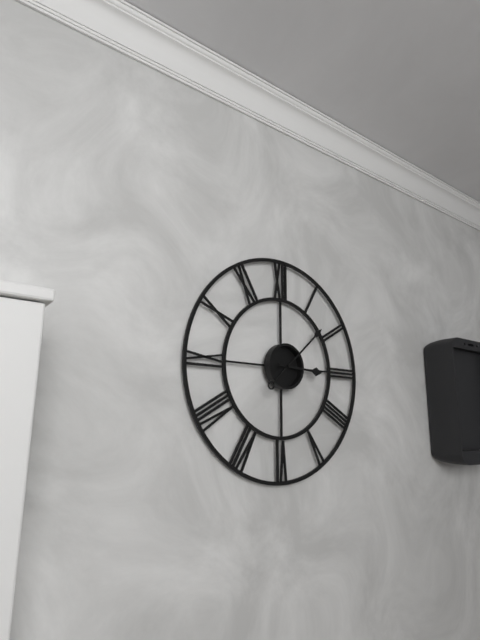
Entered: 3.08
